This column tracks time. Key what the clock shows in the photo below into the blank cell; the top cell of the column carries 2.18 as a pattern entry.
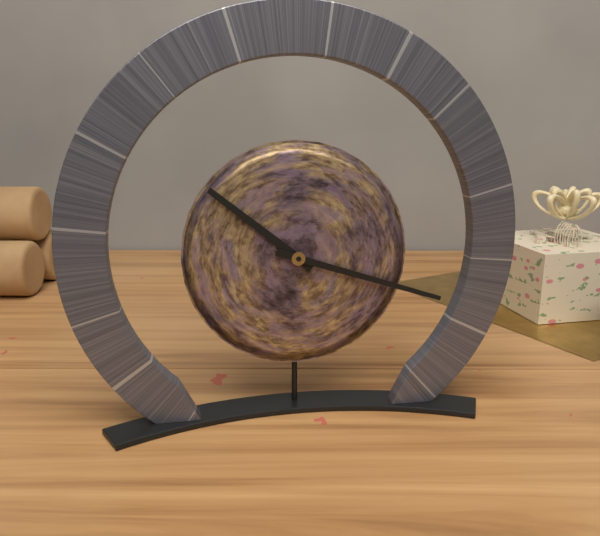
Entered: 10.18
